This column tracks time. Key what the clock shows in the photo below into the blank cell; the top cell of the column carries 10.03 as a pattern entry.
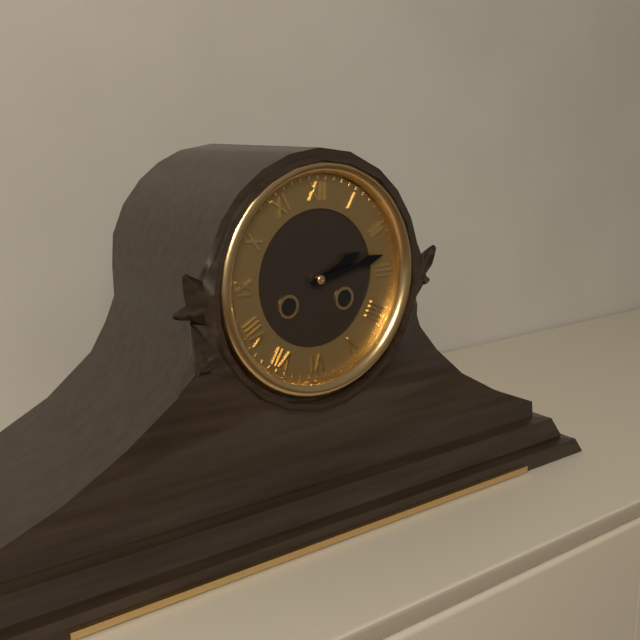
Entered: 2.13
